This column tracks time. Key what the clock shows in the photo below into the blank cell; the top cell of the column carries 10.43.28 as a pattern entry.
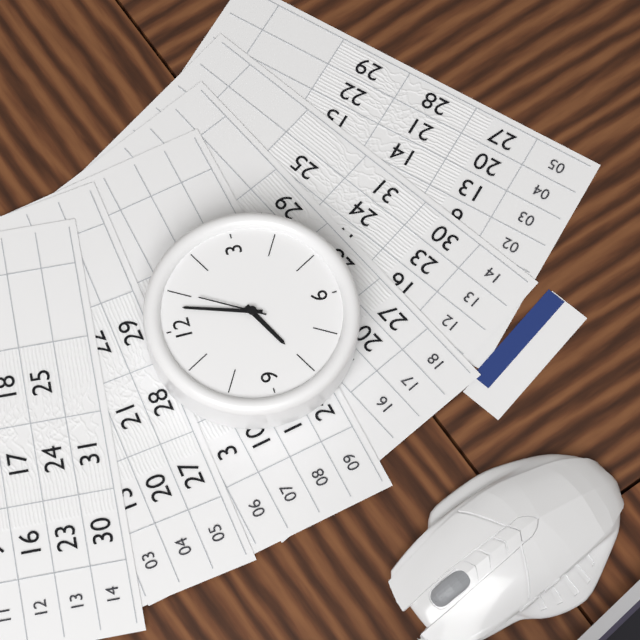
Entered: 8.03.05
